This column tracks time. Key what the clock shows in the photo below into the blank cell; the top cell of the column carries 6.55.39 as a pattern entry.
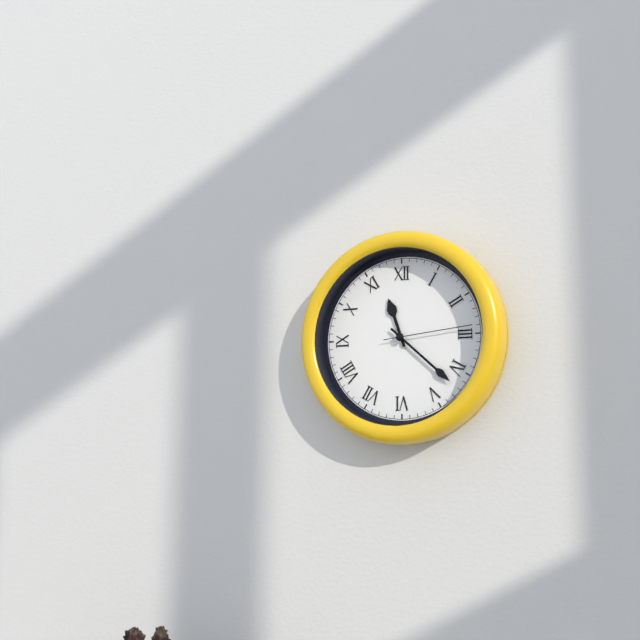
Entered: 11.22.14
